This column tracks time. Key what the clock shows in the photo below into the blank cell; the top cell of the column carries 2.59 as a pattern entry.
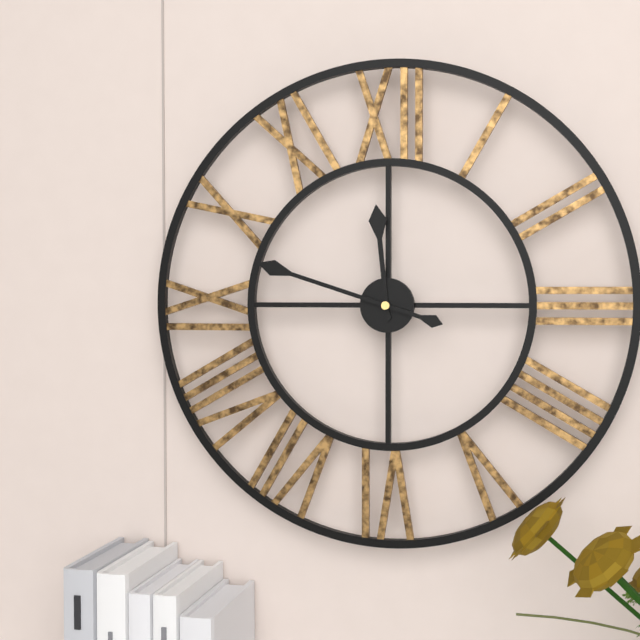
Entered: 11.48
